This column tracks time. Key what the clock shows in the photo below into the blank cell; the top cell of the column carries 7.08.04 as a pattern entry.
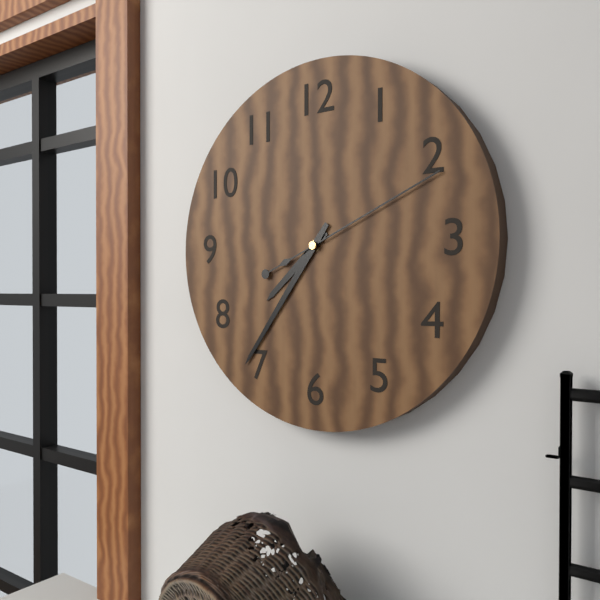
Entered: 7.36.11
